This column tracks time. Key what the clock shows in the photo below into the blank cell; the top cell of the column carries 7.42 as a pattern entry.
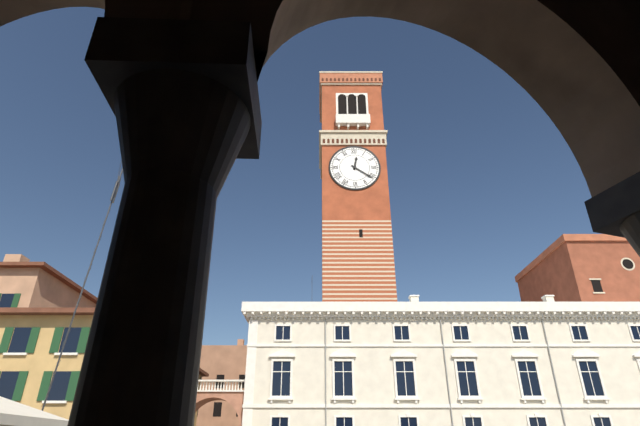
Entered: 12.21
